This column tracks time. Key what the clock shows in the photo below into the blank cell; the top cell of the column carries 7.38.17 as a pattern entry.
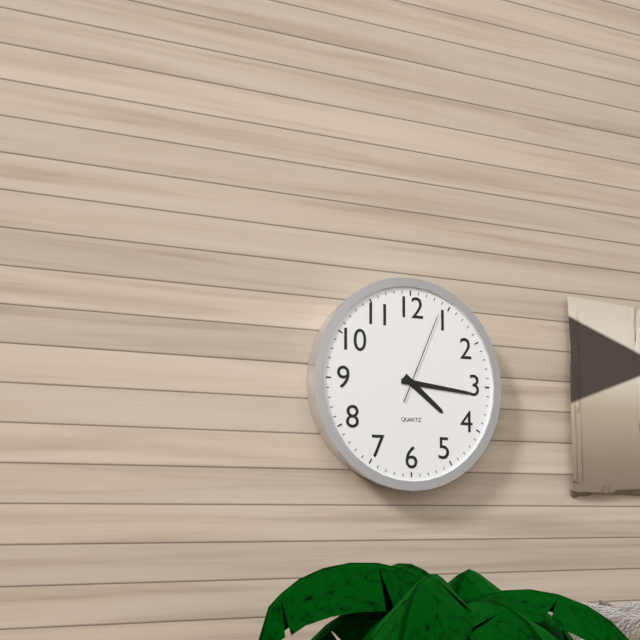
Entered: 4.16.04
